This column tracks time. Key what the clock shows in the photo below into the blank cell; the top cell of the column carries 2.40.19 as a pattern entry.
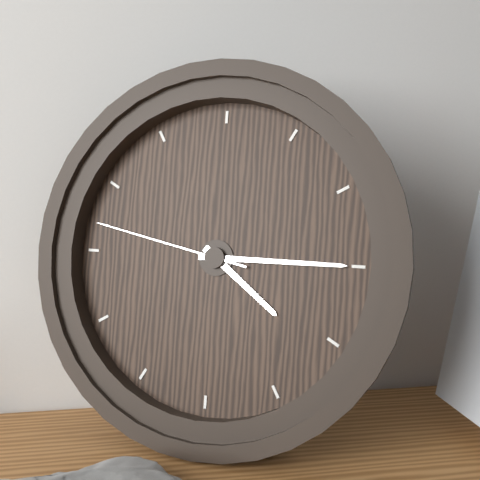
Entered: 4.15.47
